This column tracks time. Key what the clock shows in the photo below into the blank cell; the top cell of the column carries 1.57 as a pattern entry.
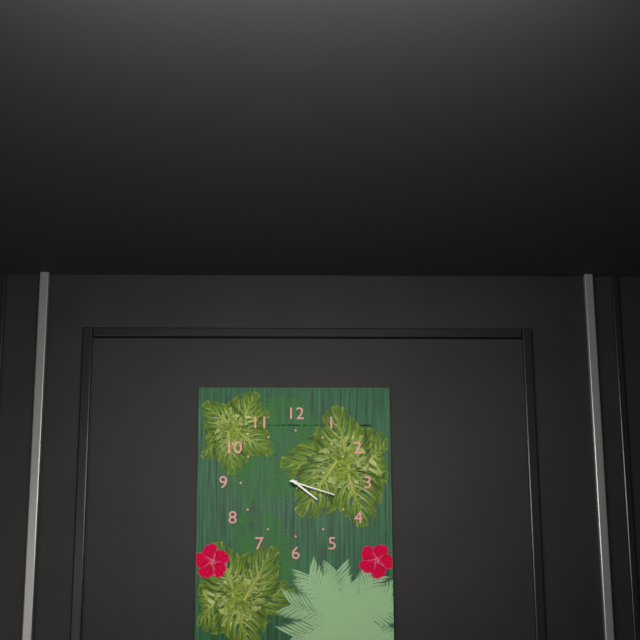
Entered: 4.18
